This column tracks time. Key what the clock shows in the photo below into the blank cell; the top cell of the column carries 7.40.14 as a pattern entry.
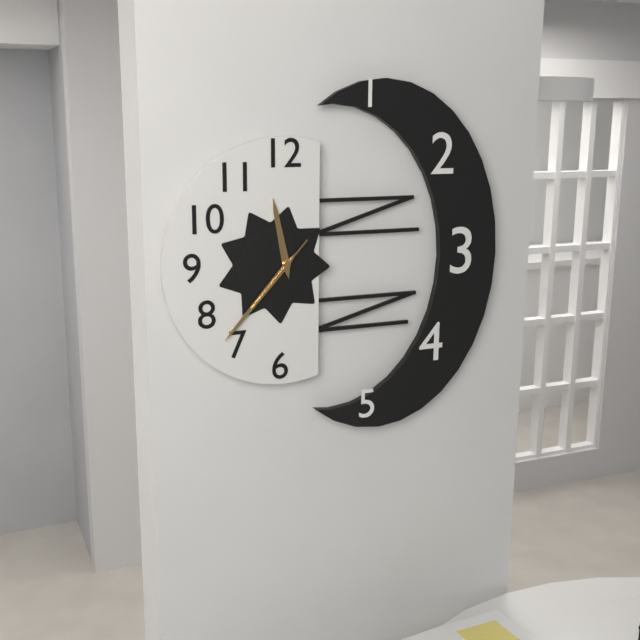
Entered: 11.37.37
